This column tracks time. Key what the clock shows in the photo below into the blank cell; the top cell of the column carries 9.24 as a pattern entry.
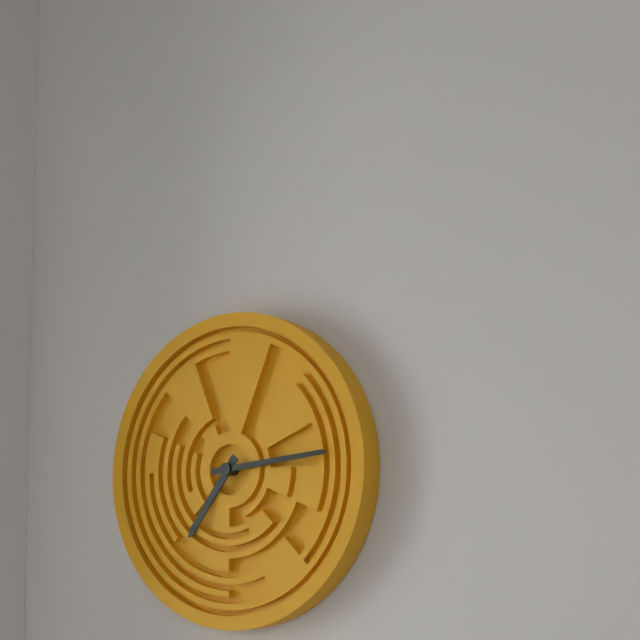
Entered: 7.14
